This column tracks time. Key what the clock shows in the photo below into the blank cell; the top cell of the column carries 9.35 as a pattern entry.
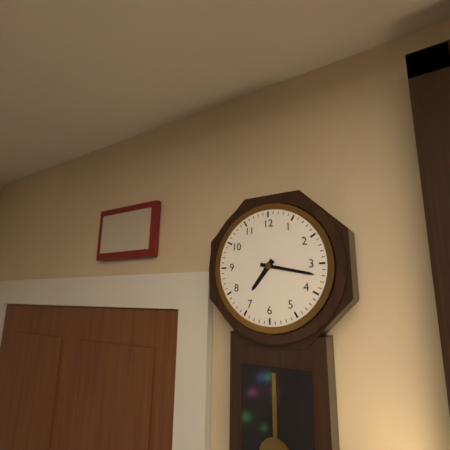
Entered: 7.17
